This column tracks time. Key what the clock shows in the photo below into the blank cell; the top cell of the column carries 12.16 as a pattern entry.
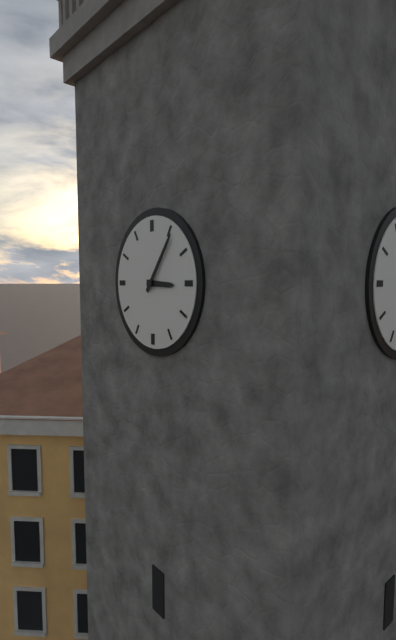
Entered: 3.06
